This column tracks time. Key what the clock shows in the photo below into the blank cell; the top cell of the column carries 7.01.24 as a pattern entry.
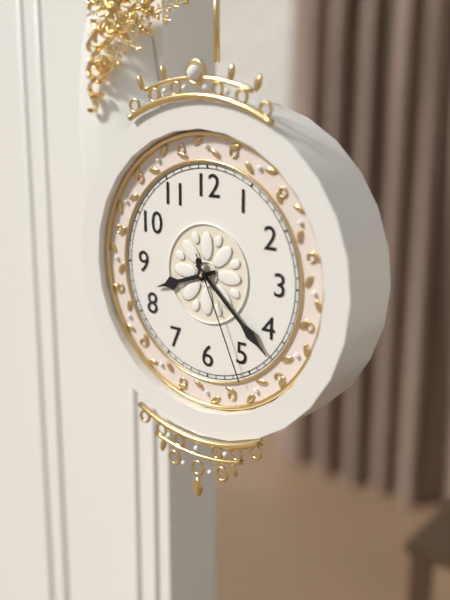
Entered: 8.22.26
